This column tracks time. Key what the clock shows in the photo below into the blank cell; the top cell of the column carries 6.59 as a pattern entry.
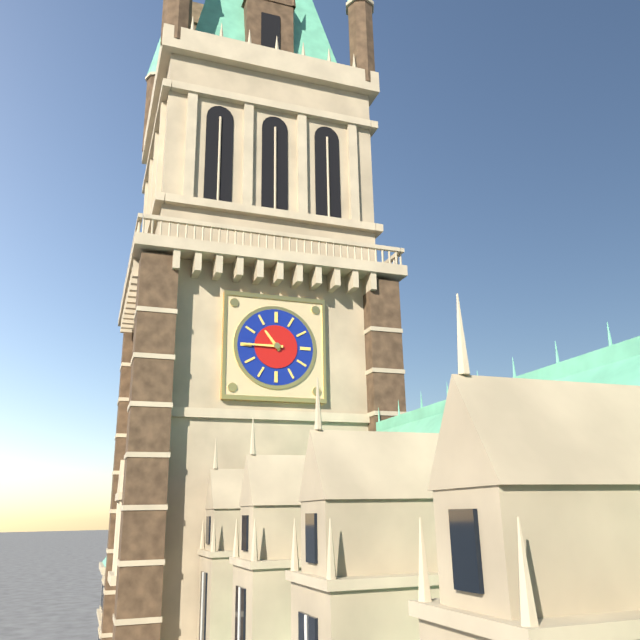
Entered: 10.45
